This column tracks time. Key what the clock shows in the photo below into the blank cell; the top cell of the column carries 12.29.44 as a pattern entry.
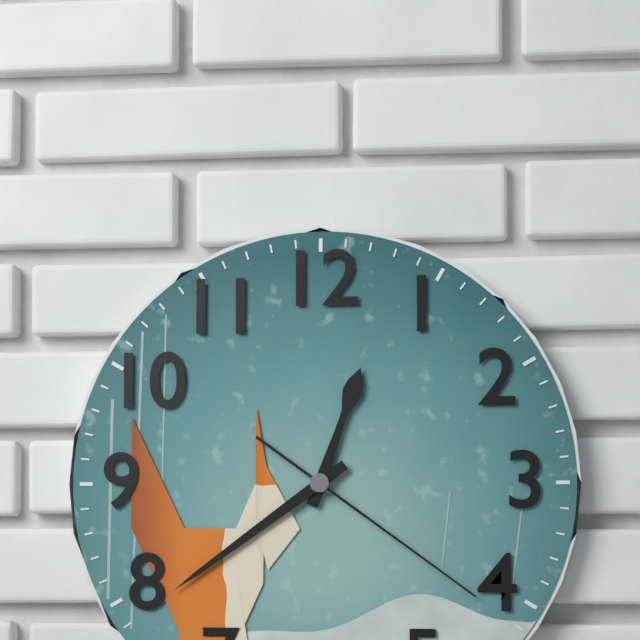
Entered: 12.39.21
